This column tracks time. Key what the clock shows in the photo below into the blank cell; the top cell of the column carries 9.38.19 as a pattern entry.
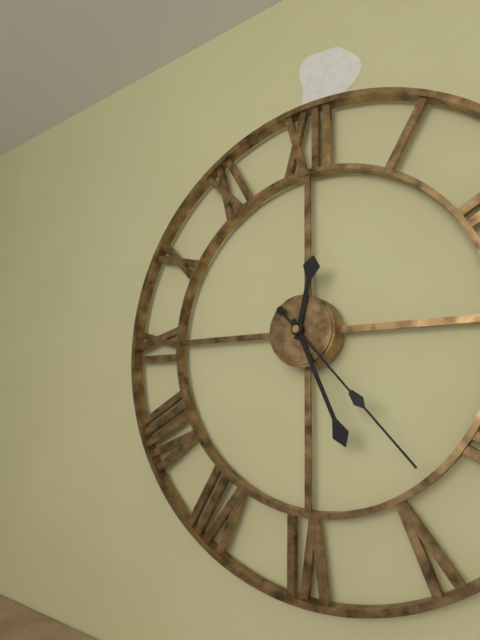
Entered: 12.26.23
